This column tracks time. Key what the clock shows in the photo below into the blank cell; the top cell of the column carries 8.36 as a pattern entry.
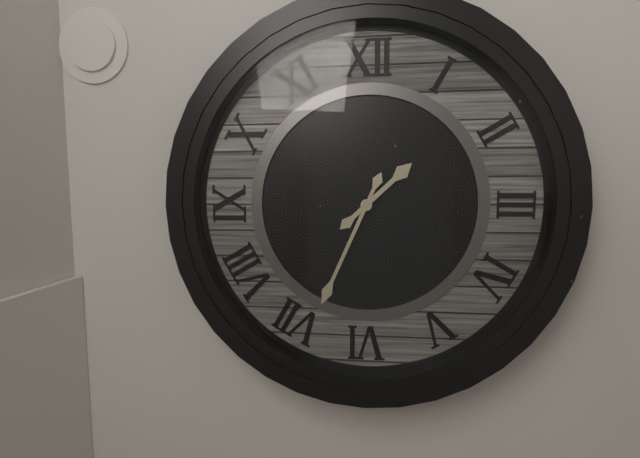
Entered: 1.34
